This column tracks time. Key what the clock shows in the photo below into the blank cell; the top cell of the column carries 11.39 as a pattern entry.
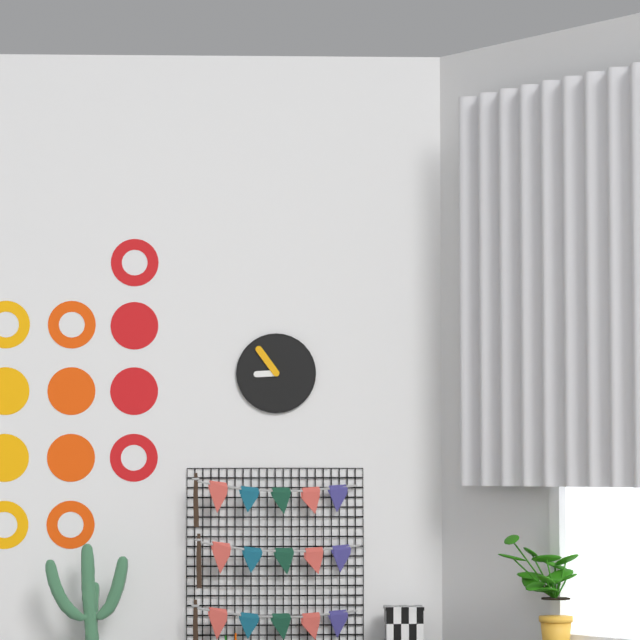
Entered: 8.54
